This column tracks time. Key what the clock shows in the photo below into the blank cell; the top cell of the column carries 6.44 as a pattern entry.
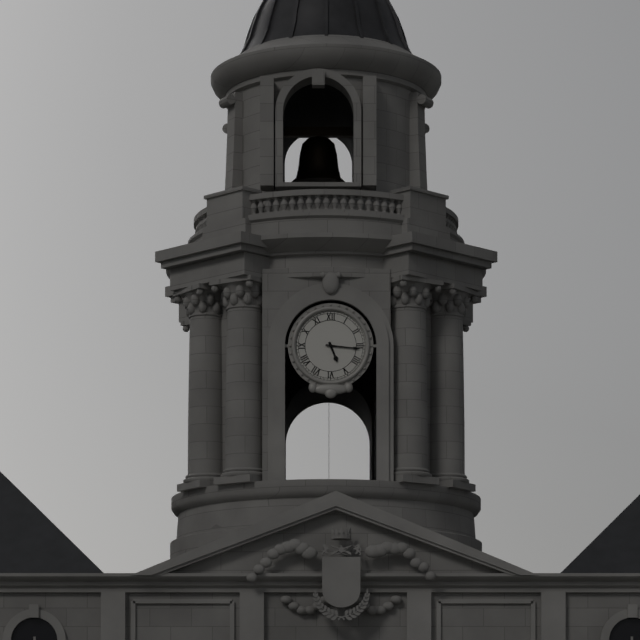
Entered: 5.16
